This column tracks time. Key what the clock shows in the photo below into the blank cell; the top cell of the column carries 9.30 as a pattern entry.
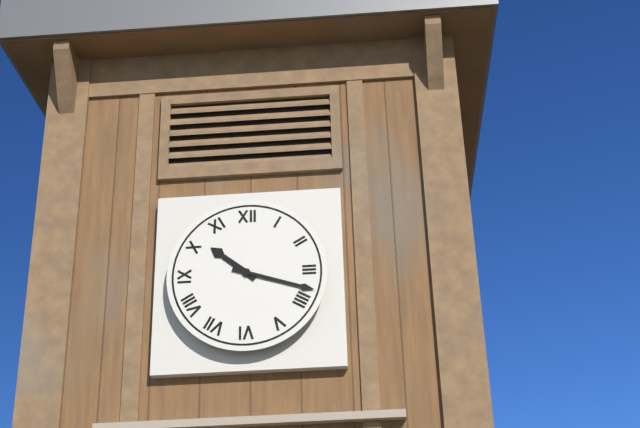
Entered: 10.18
